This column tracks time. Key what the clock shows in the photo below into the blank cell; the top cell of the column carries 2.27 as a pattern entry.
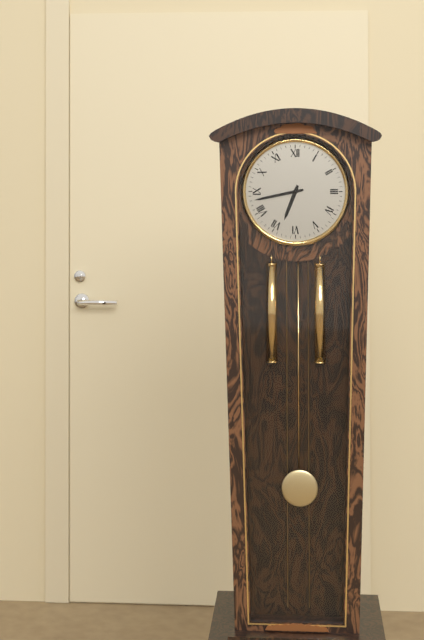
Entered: 6.43
